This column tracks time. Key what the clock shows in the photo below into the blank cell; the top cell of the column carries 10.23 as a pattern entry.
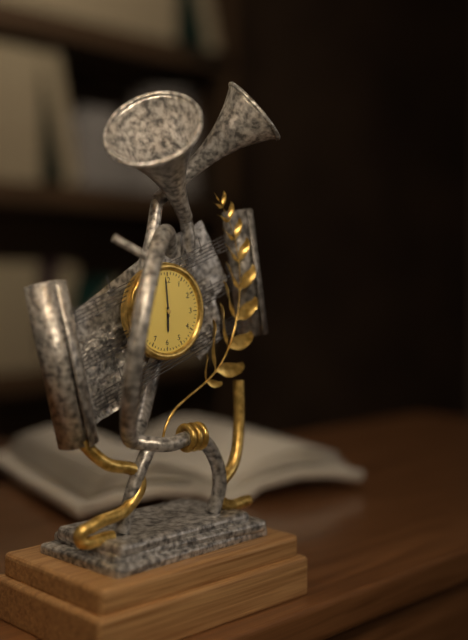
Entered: 5.59
